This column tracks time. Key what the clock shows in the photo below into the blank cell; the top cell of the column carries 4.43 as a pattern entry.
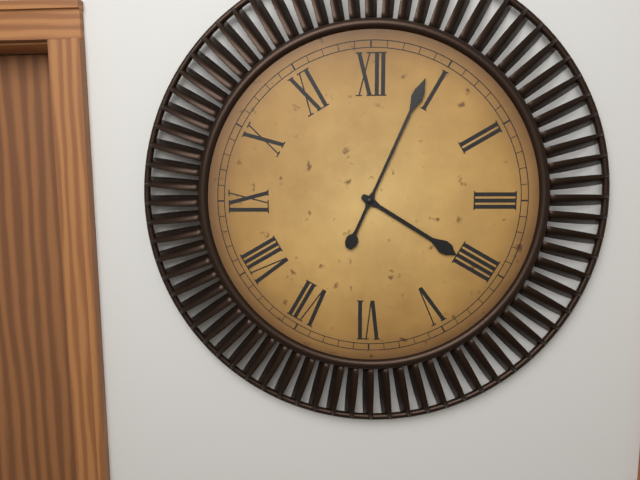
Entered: 4.04
